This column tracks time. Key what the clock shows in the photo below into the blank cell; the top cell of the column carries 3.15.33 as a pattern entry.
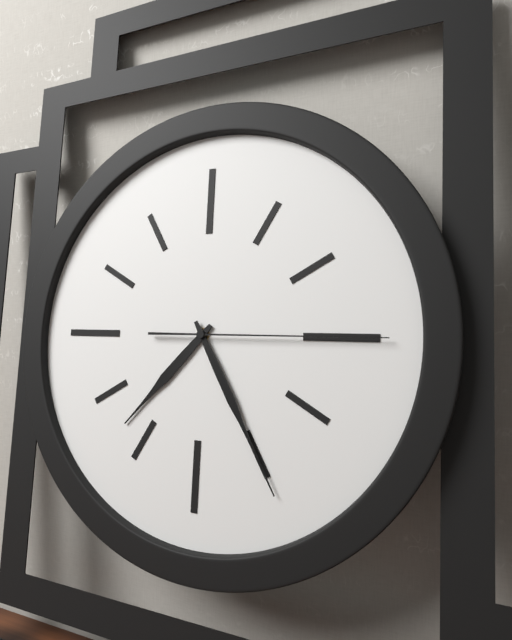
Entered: 7.25.15
